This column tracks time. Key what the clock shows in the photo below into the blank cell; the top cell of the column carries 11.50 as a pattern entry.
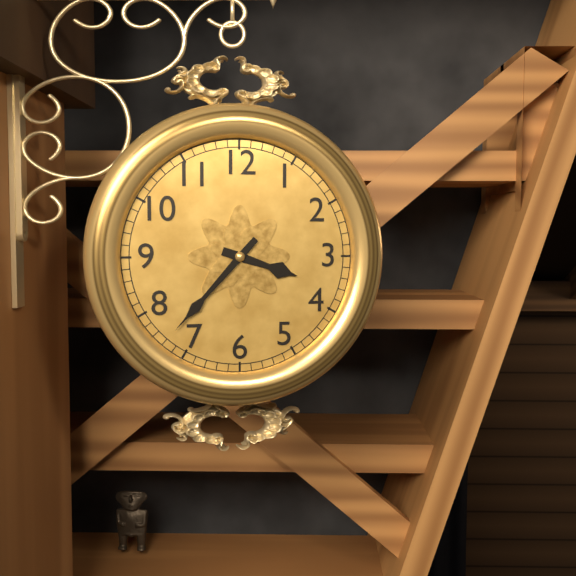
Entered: 3.37
